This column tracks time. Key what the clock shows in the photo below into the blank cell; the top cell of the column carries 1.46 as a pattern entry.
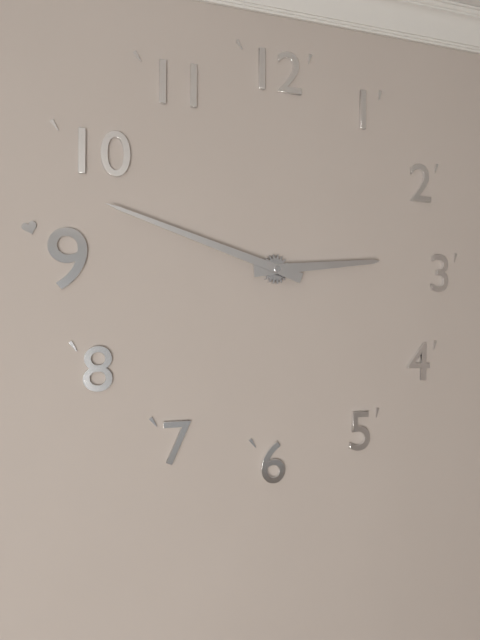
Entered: 2.48
